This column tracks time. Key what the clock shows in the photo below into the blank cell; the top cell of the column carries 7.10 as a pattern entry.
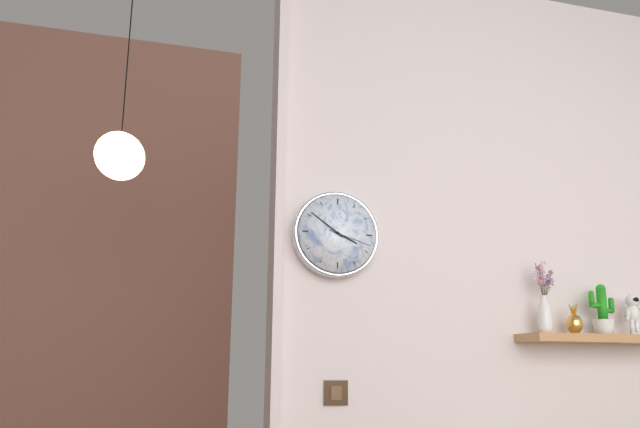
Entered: 3.51
